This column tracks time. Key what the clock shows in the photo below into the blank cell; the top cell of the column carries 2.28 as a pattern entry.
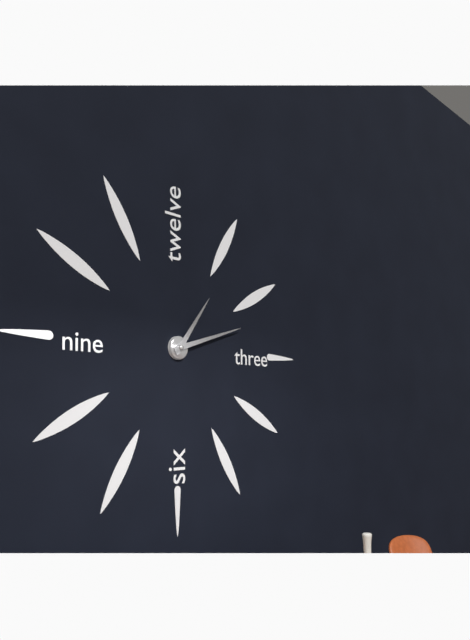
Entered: 1.12
